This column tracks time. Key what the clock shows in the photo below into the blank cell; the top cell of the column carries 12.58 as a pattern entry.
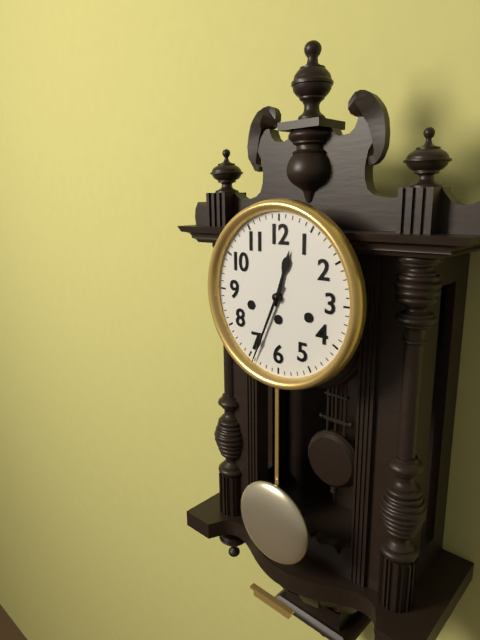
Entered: 12.34
